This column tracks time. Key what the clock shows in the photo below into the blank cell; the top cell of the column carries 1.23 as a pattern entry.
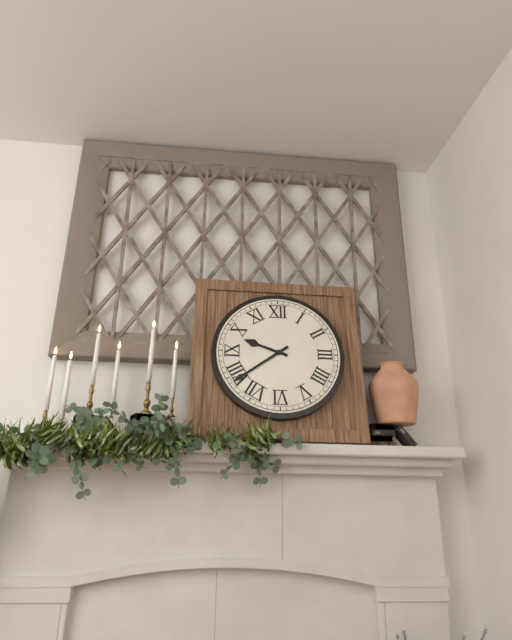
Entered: 9.39
